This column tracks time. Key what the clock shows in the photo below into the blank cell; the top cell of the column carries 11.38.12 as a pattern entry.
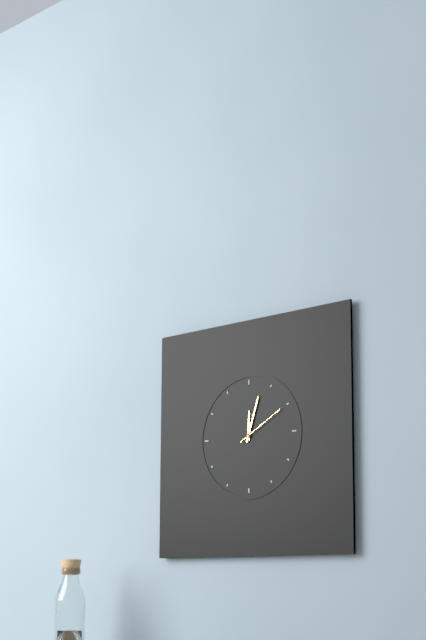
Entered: 12.03.10
